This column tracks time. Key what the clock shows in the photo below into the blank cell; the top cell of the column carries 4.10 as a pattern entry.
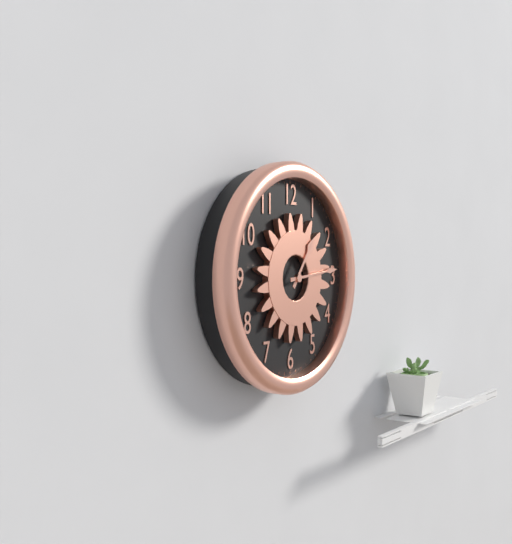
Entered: 1.14
